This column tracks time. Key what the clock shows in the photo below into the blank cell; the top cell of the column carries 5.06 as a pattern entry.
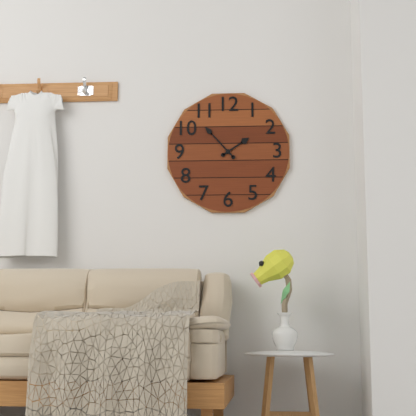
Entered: 1.53
